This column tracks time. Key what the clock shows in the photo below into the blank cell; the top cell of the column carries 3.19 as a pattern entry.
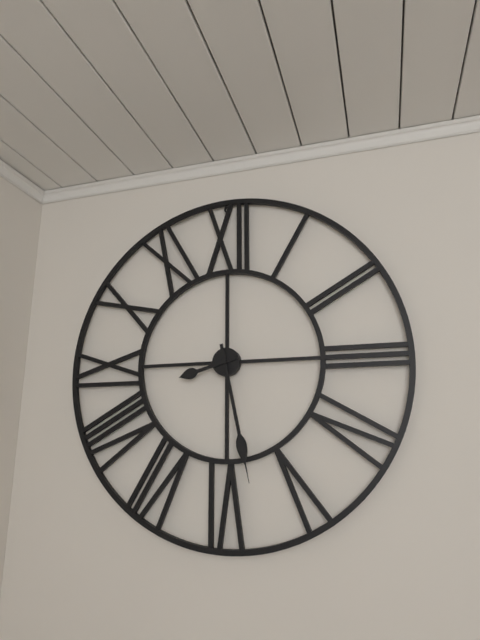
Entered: 8.28
